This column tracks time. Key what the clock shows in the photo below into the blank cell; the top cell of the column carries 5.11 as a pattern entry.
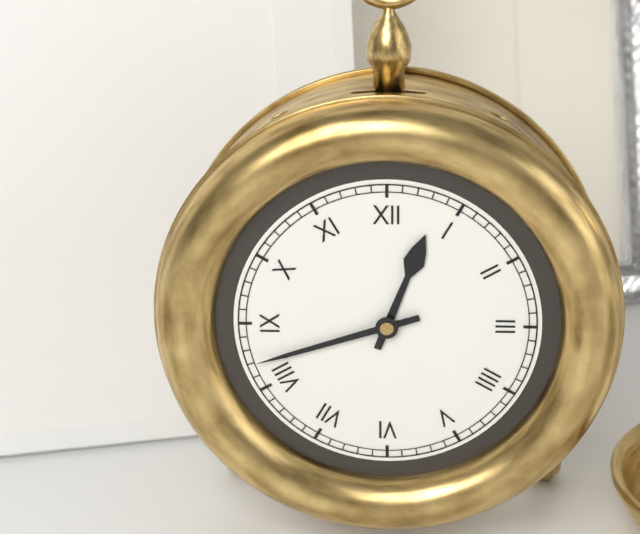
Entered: 12.42
